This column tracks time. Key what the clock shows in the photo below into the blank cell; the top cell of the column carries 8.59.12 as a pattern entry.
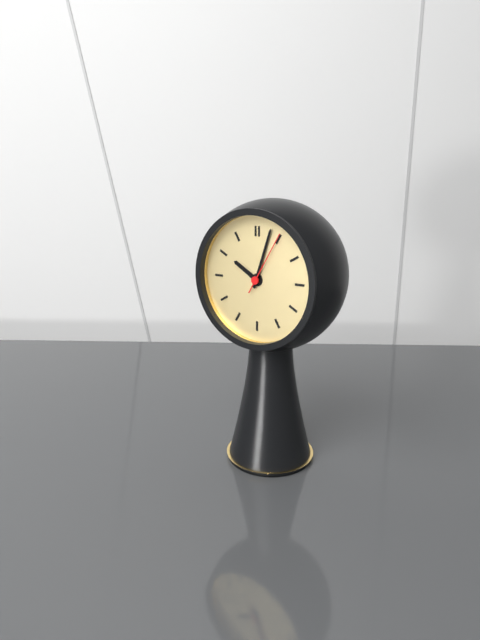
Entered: 10.03.05
